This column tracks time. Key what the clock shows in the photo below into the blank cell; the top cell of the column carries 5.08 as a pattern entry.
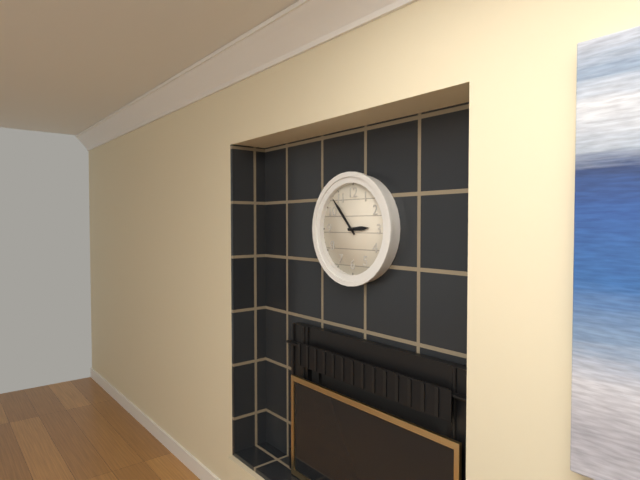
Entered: 2.53
